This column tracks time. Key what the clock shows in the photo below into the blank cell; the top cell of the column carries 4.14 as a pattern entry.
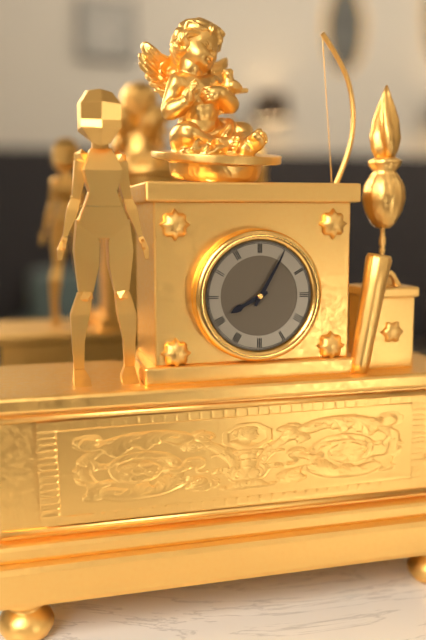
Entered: 8.05
